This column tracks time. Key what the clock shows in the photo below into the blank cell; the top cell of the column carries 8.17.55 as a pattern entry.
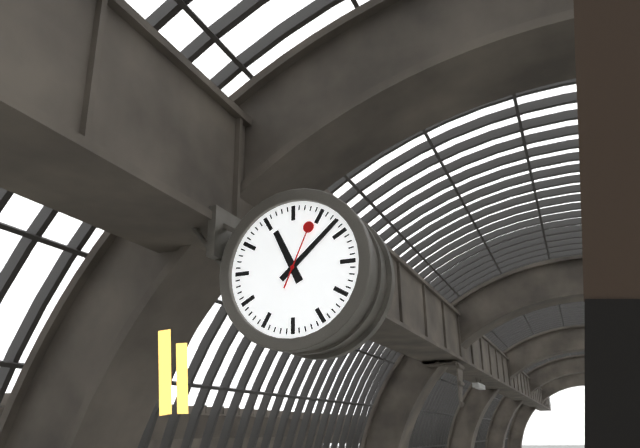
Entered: 11.08.04
